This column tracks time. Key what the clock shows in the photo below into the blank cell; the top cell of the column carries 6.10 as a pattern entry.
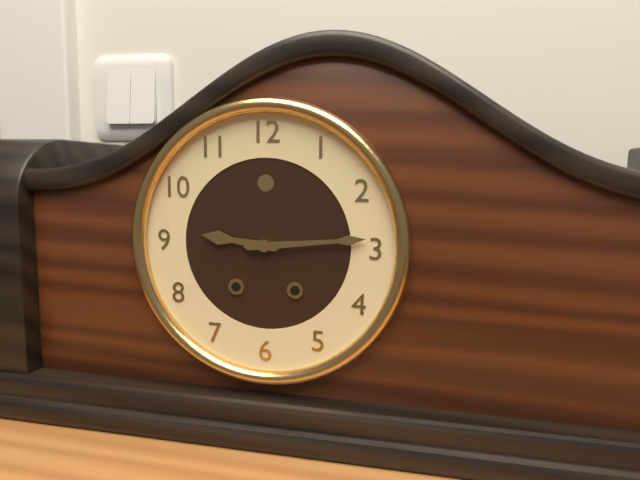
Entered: 9.14
